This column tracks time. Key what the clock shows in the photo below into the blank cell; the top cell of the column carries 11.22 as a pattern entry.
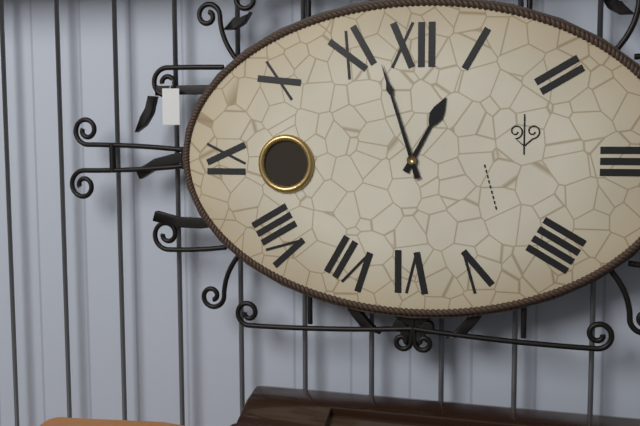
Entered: 12.57
